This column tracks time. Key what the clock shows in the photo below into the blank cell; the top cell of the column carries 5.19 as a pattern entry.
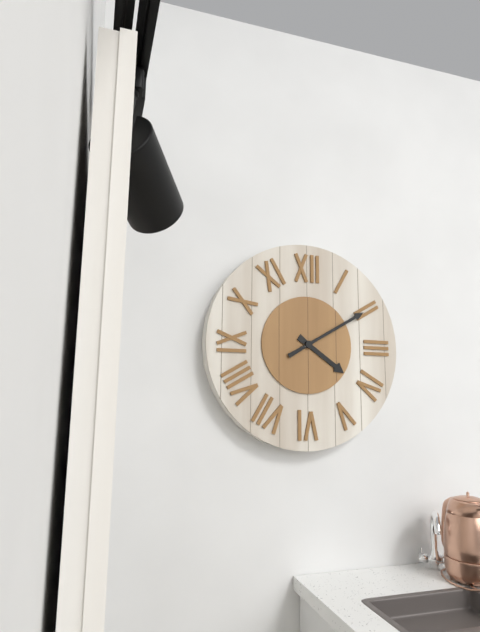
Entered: 4.10
